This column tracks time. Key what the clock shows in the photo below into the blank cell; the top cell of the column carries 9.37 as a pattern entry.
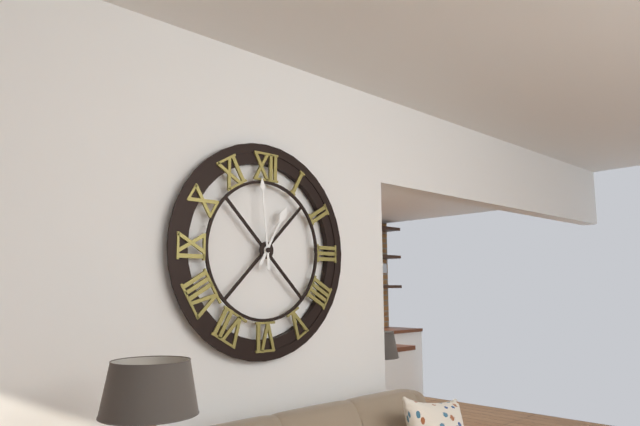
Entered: 12.59
